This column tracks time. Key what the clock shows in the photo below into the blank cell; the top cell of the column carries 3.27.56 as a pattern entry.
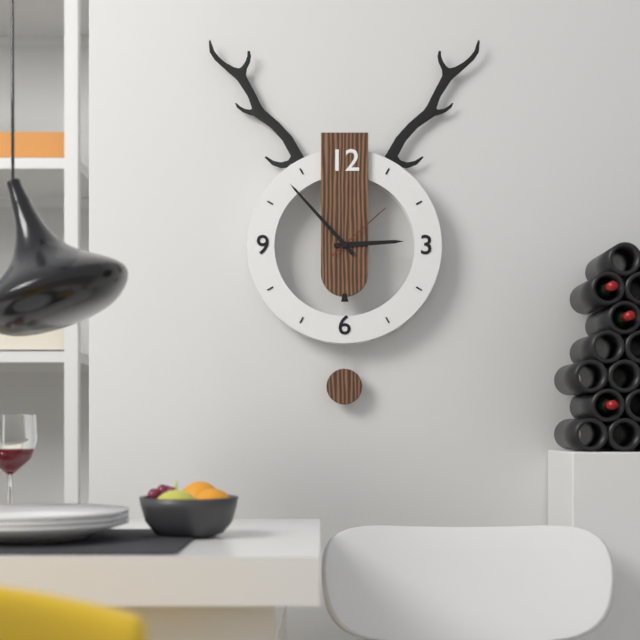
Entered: 2.53.08
